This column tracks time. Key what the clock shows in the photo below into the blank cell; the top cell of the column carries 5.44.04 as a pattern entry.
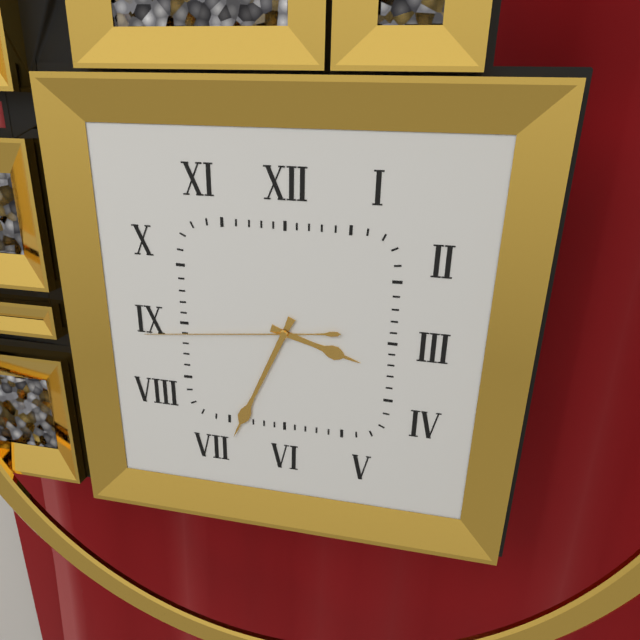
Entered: 3.34.44
